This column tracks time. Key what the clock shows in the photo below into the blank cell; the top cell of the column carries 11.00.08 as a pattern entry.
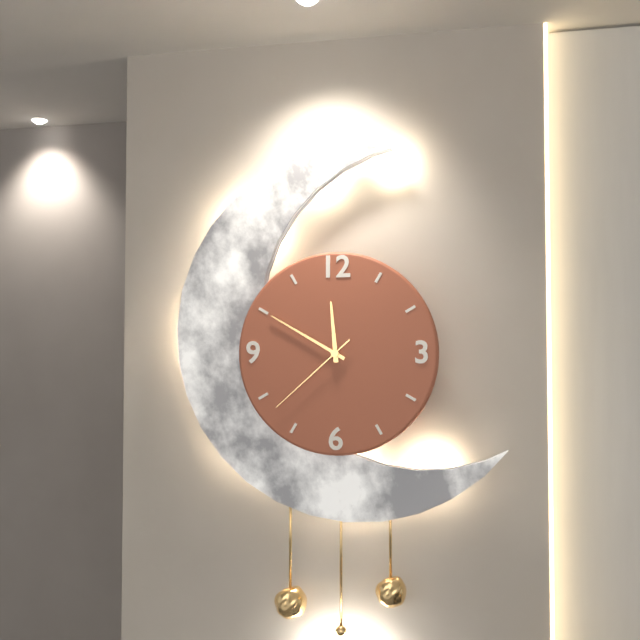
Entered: 11.50.38
